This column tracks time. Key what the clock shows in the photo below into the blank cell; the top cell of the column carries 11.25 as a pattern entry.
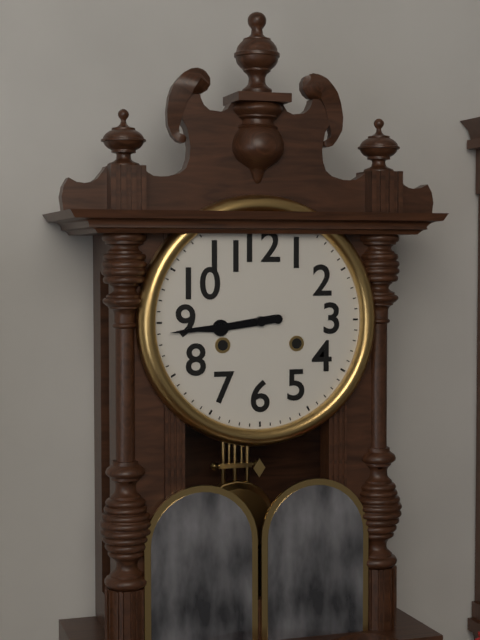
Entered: 8.44
